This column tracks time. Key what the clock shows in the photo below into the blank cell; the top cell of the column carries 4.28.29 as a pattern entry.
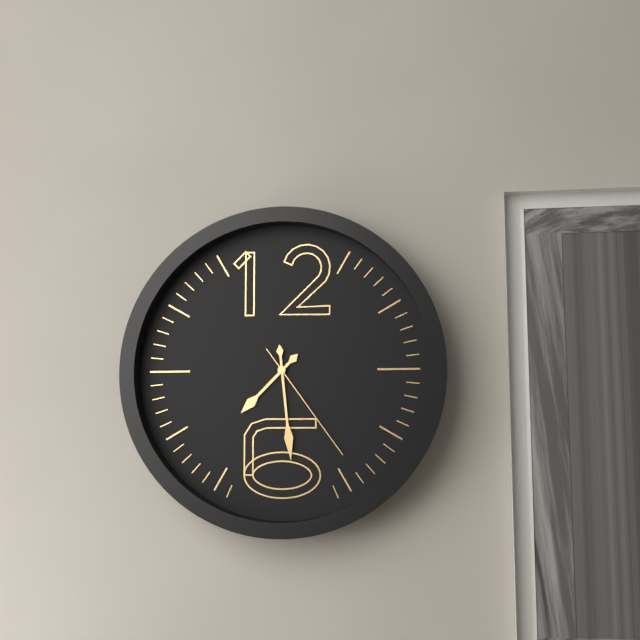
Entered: 7.29.24
